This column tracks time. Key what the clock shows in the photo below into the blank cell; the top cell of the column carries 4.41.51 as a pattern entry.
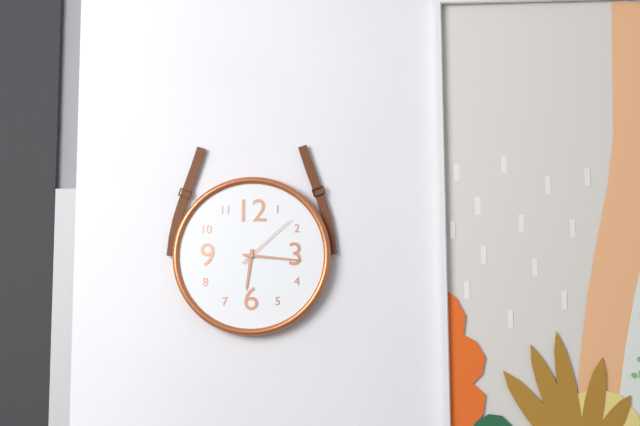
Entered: 6.16.08
